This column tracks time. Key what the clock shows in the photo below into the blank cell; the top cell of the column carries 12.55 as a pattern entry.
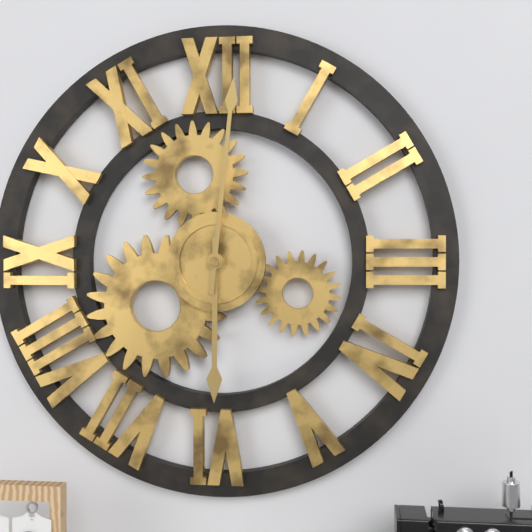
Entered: 6.01
